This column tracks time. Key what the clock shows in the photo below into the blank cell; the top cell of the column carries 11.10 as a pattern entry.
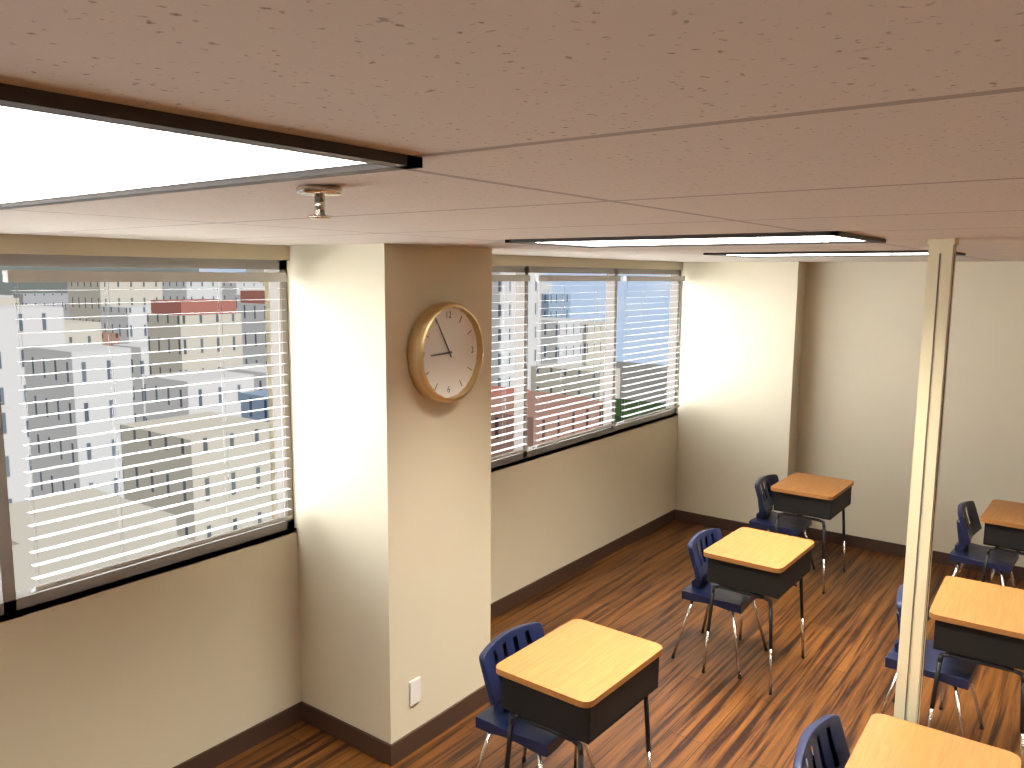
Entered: 8.55
